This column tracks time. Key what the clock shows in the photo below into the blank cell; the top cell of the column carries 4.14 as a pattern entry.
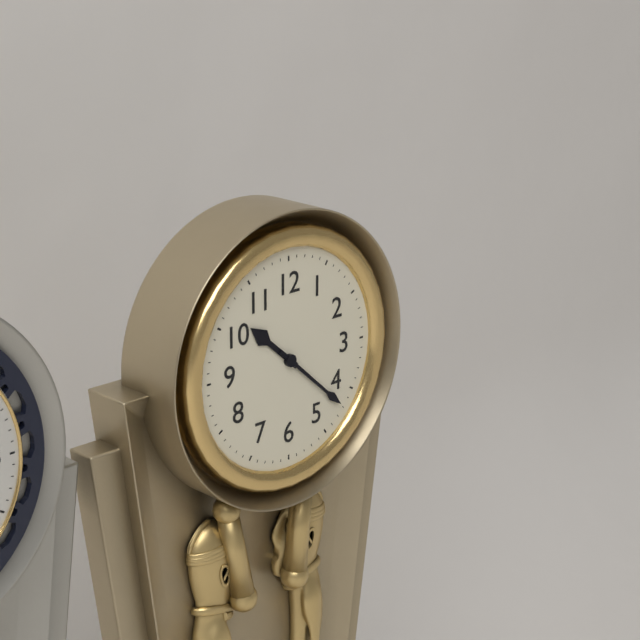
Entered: 10.22
